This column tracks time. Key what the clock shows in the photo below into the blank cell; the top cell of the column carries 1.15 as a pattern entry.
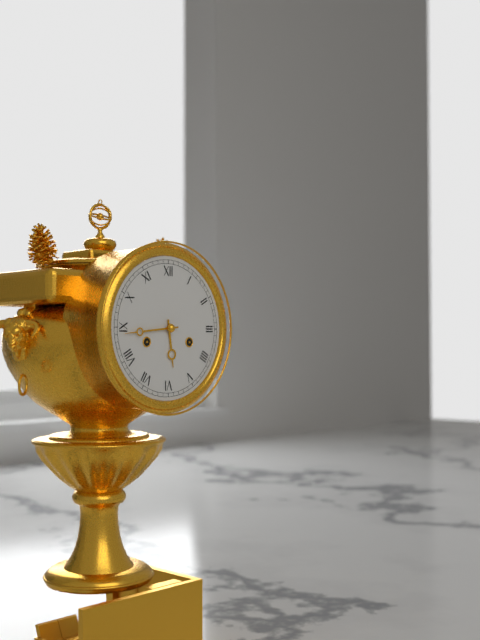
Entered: 5.44
